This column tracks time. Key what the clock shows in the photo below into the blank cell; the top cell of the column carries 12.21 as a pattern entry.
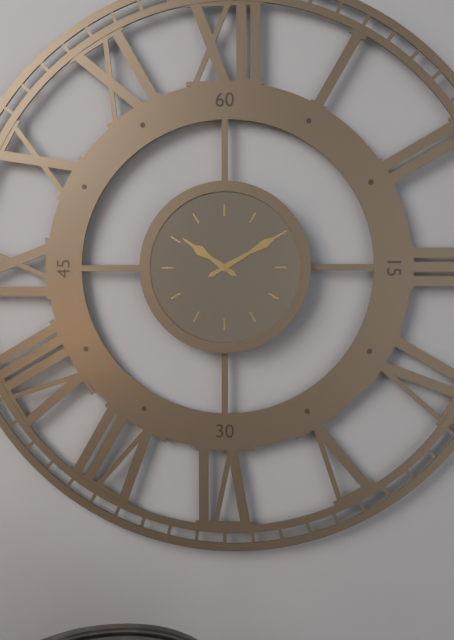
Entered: 10.10
